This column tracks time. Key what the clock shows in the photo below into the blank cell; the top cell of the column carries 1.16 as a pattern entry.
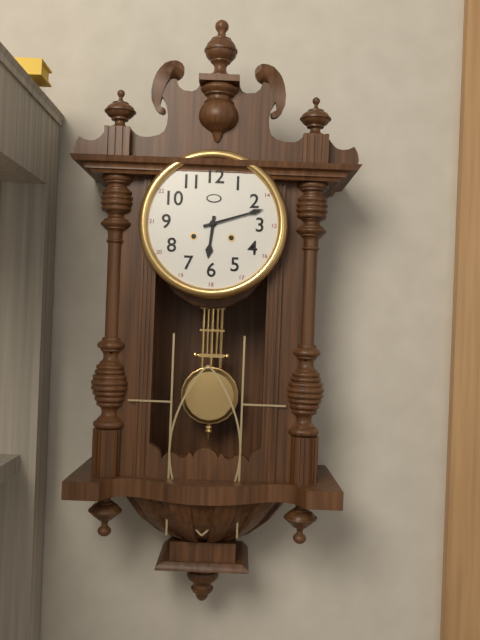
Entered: 6.12
